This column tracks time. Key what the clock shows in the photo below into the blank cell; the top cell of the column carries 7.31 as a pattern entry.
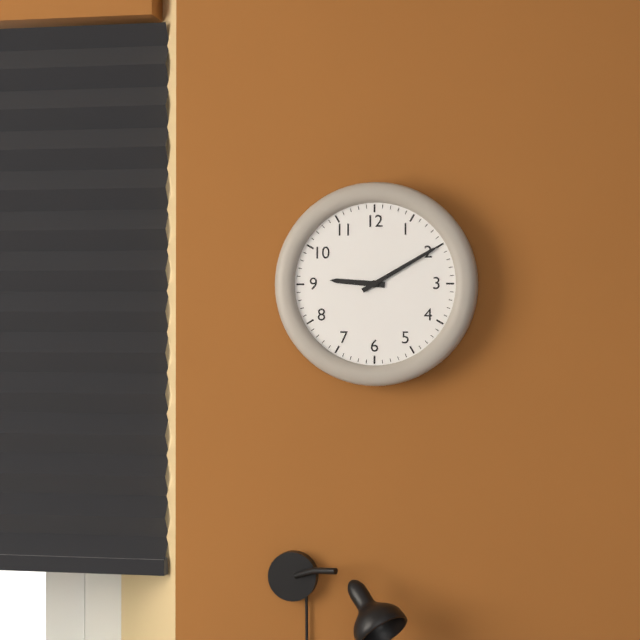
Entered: 9.10
